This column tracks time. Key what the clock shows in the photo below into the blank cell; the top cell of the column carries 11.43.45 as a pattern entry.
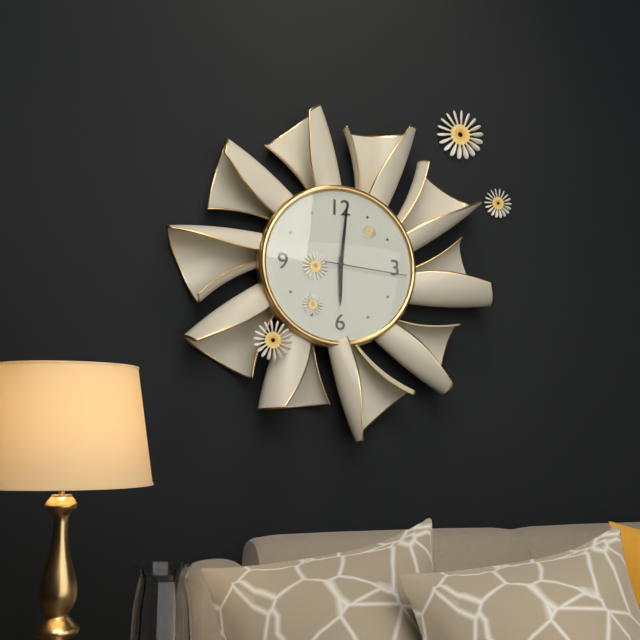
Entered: 6.01.16
